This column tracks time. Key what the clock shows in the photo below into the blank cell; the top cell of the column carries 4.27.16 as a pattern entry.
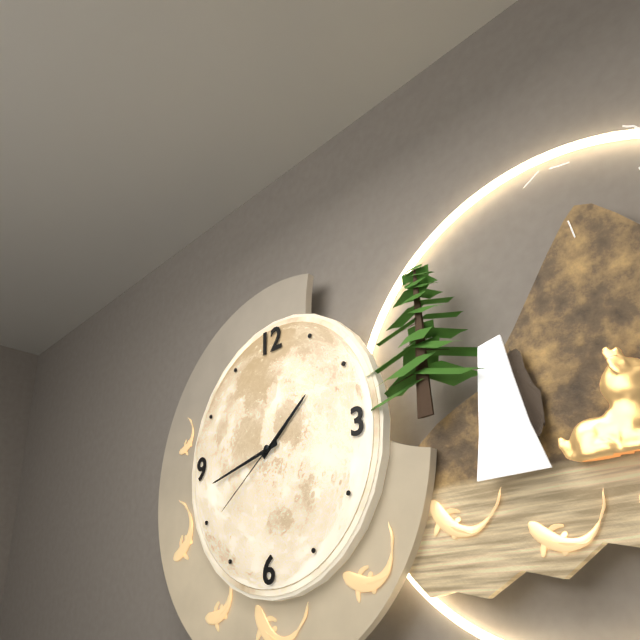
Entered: 1.43.39
